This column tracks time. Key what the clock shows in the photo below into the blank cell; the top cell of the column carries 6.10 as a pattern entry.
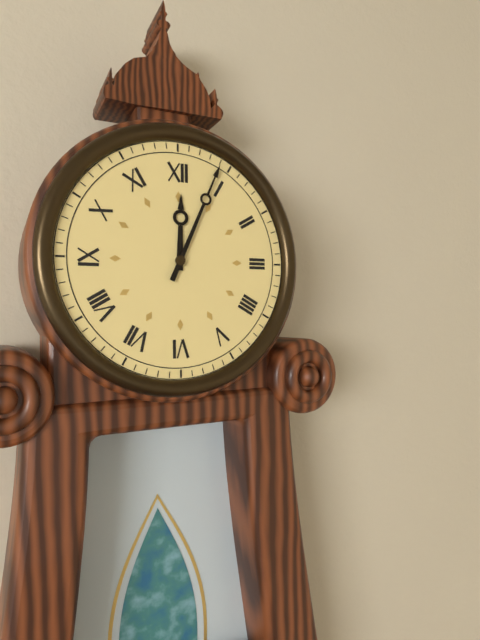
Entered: 12.04
